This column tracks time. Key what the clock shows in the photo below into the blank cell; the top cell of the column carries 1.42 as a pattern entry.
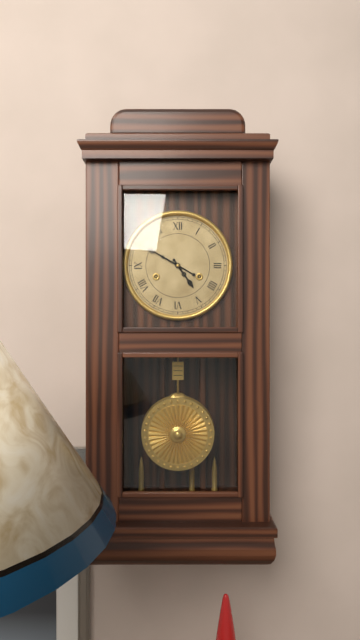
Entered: 4.50
